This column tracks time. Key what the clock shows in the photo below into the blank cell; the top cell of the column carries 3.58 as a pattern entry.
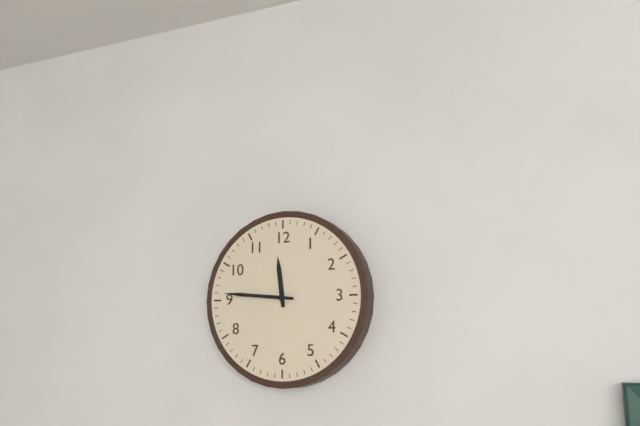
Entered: 11.46
